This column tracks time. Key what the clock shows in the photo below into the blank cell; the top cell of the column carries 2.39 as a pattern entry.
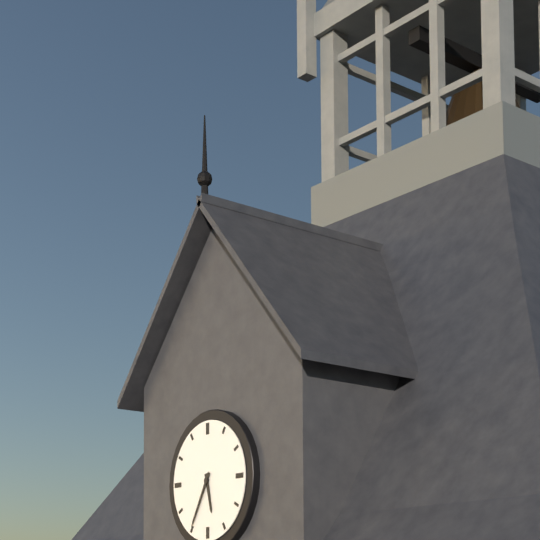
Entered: 5.35
